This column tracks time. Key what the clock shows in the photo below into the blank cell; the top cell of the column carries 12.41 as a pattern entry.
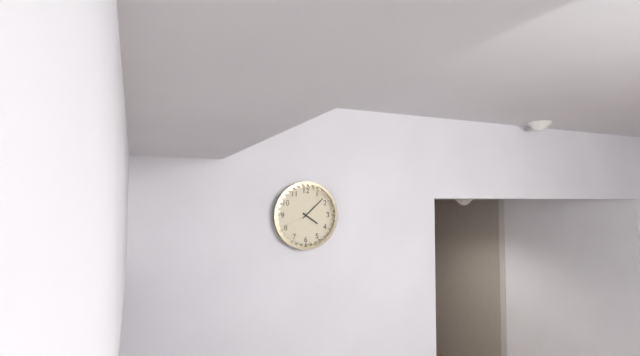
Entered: 4.08
